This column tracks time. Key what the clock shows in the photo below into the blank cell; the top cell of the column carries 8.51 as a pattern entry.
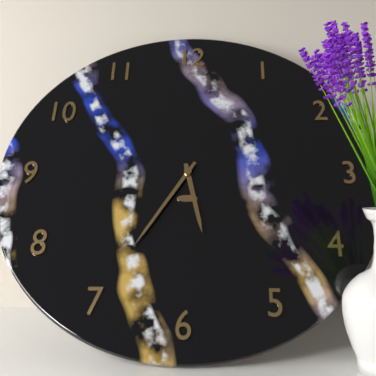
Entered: 5.35
